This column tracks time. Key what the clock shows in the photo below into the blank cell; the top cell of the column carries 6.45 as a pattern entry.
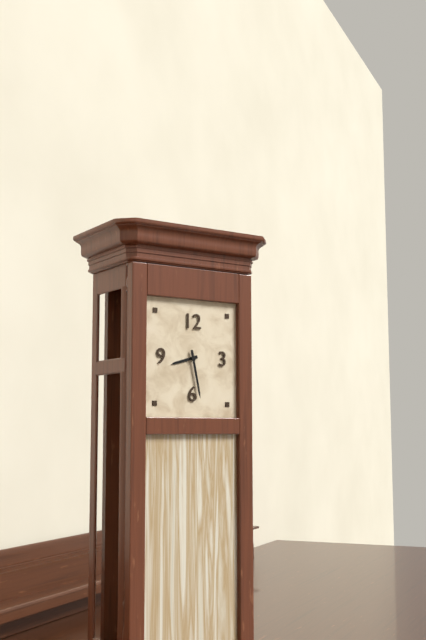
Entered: 8.28
